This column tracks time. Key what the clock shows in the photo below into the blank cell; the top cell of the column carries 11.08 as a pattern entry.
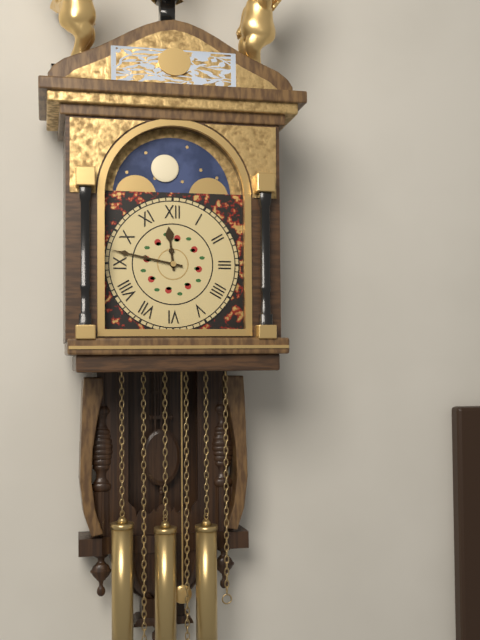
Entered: 11.47
